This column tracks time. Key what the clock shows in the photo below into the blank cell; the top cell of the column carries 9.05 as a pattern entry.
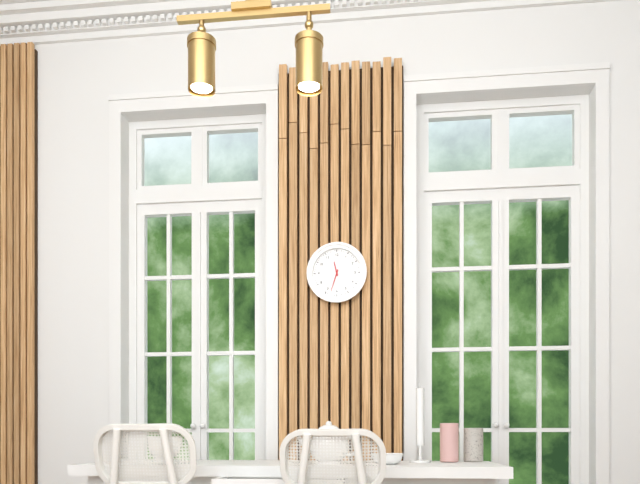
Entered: 11.33
